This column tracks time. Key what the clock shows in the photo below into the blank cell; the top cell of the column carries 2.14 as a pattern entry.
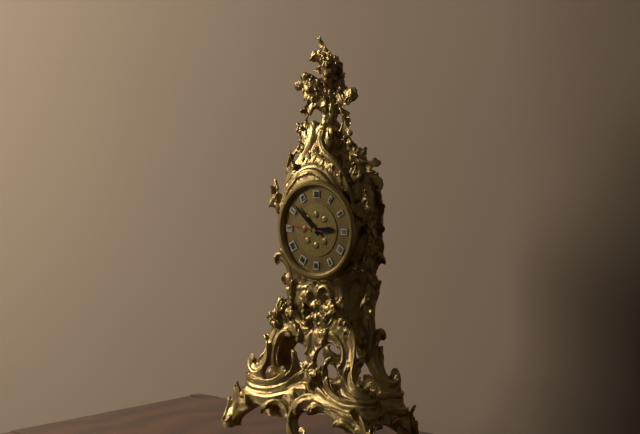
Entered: 2.52
